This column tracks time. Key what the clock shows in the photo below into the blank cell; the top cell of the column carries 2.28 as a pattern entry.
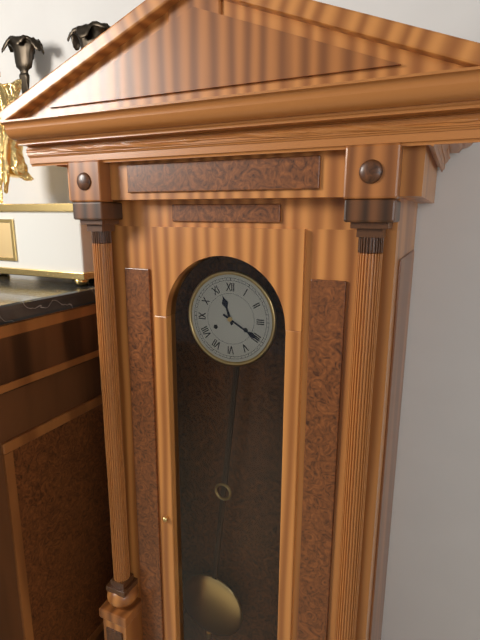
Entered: 11.20
